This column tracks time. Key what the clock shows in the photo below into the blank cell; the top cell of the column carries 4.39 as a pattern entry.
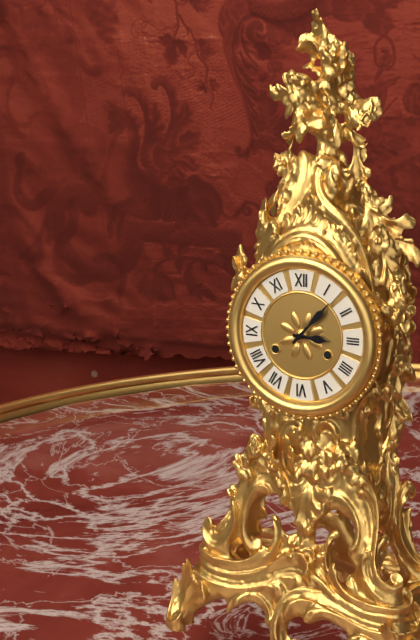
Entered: 3.07
